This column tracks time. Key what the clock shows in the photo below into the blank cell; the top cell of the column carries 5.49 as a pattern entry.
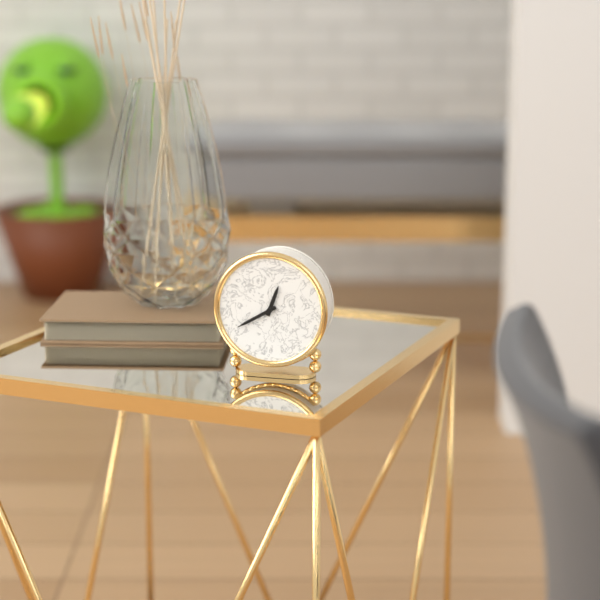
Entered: 12.40
